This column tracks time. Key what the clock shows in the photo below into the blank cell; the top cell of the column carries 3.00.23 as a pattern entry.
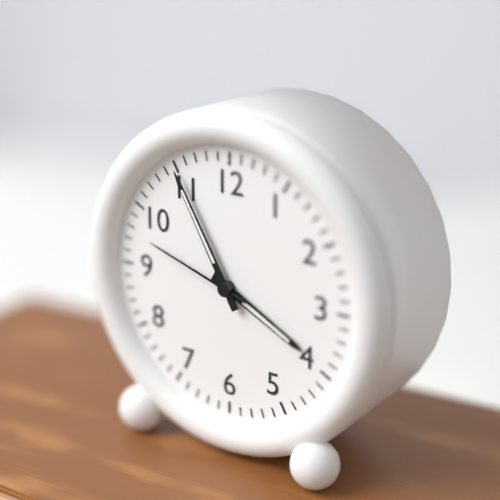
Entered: 3.55.48
